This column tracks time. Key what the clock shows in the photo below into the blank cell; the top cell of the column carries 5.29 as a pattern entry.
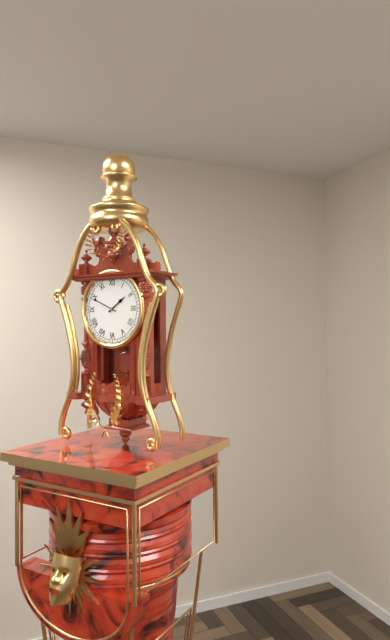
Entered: 1.49
